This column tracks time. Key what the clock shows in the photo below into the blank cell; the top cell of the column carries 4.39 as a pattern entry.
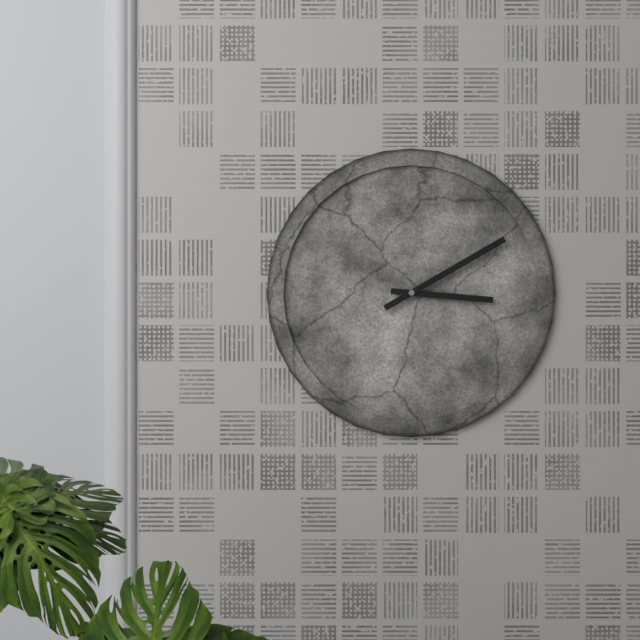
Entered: 3.10
